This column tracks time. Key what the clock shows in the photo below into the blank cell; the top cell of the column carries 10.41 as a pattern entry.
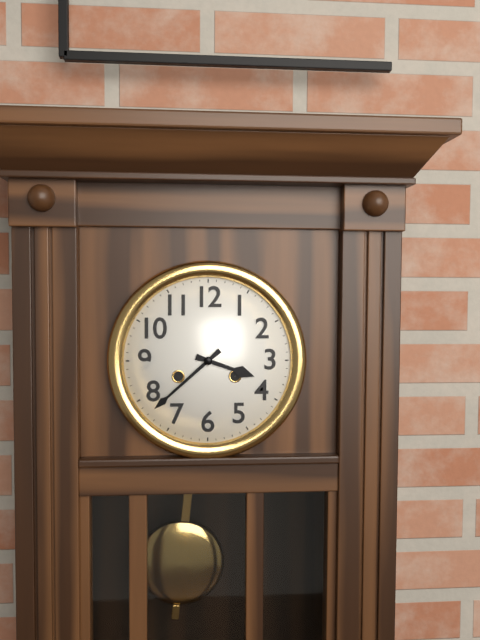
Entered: 3.38
